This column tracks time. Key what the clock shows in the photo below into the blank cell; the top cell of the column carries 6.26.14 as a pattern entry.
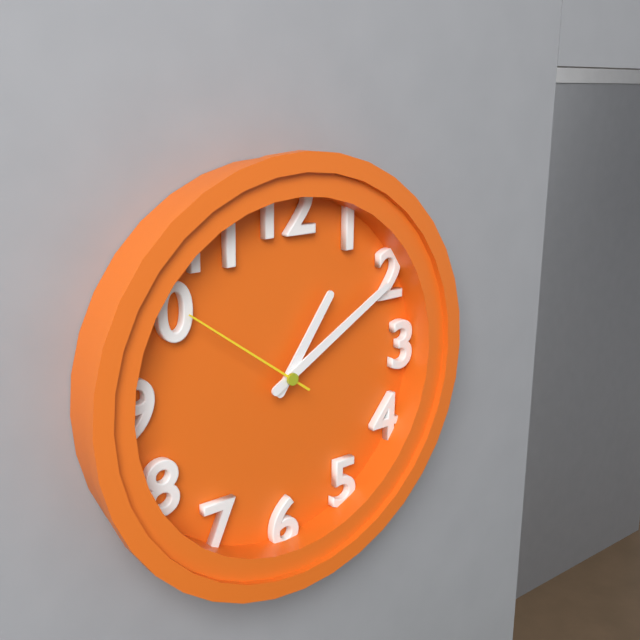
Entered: 1.10.51
